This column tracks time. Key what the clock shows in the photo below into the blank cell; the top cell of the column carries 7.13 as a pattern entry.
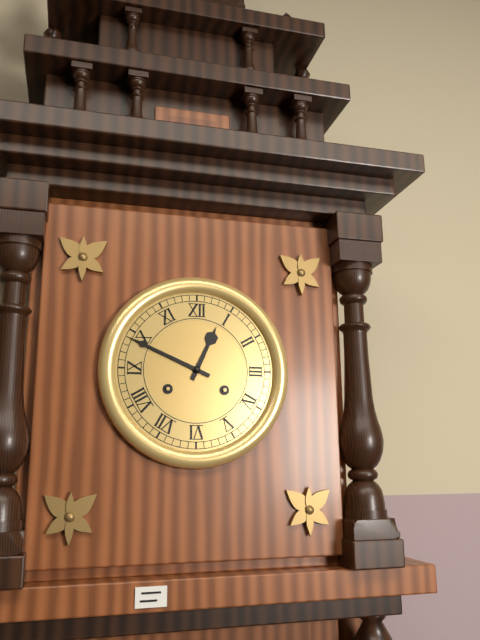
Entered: 12.49
